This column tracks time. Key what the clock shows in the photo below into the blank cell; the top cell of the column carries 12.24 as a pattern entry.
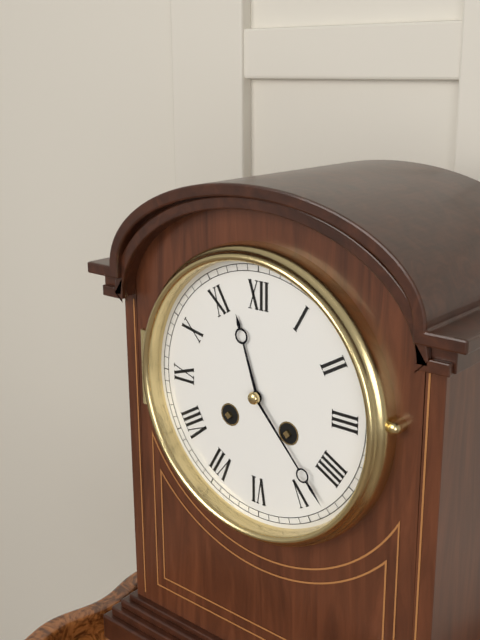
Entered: 11.23
